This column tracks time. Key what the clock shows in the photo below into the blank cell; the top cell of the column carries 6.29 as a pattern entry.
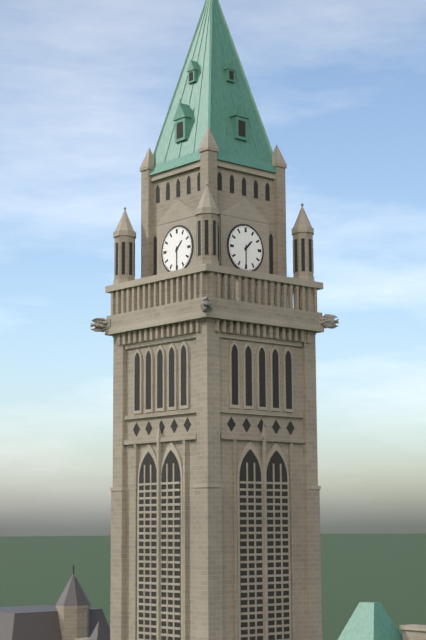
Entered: 1.30
